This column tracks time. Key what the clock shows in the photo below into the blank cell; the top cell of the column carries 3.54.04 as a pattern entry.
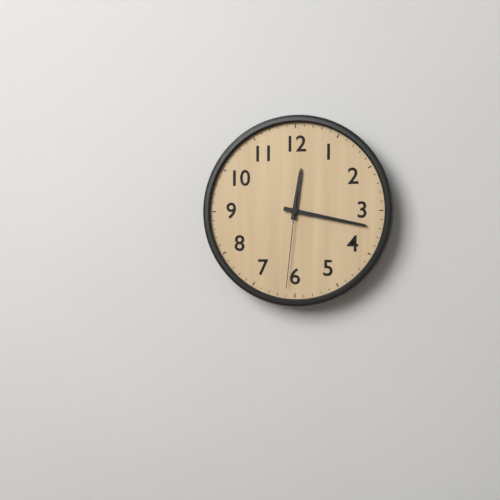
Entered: 12.17.31
